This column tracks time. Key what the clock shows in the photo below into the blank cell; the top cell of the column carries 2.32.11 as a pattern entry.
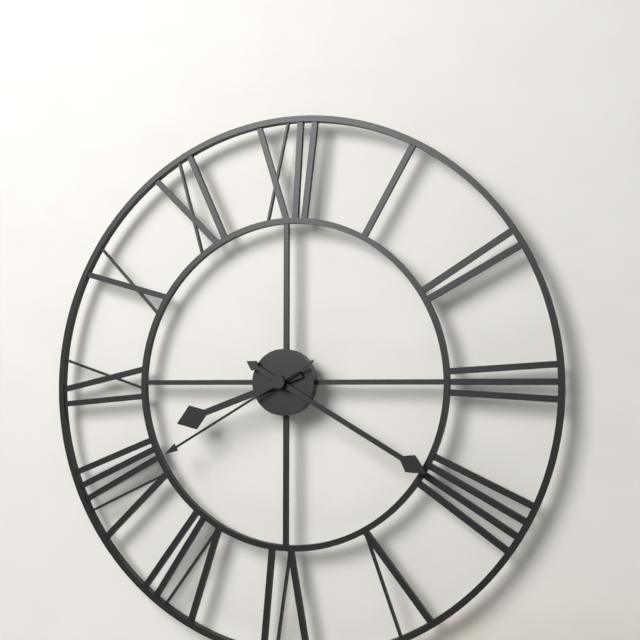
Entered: 8.20.40
